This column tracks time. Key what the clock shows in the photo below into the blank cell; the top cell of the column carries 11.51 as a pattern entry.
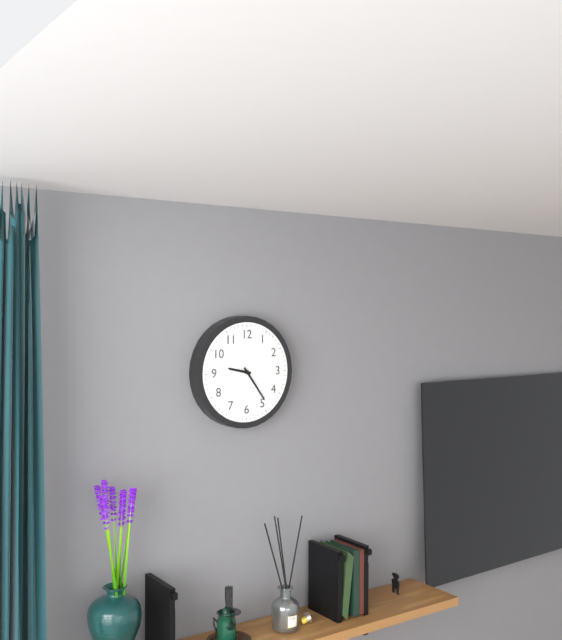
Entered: 9.24
